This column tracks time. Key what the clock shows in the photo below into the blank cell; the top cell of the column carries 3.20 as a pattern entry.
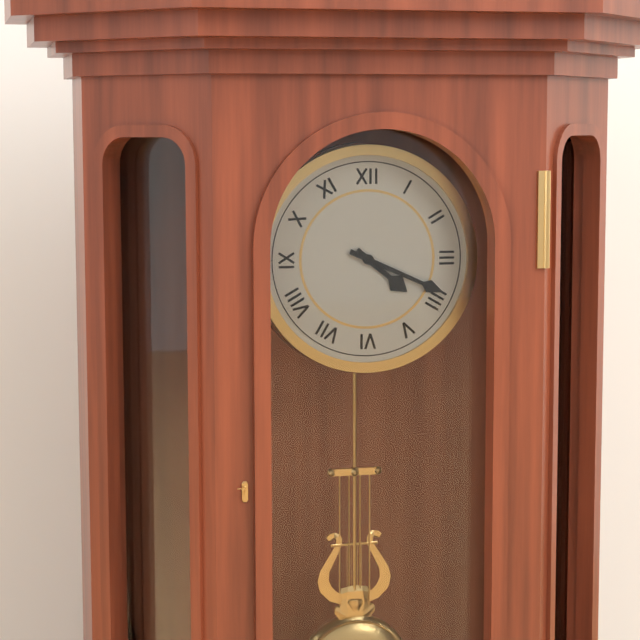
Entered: 4.19
